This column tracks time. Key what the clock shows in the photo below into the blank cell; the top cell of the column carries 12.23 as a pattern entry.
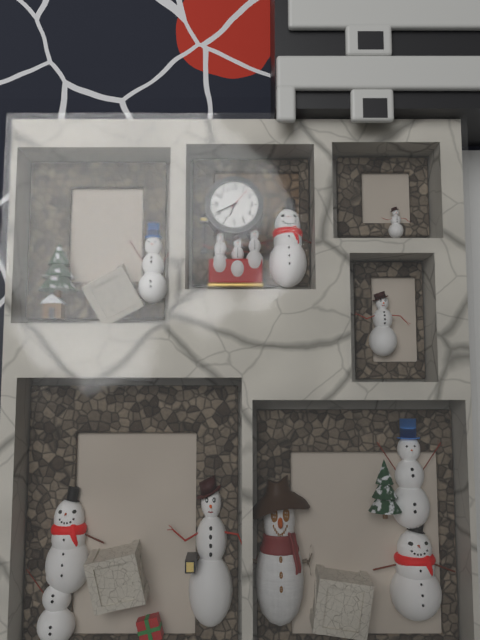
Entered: 6.41
